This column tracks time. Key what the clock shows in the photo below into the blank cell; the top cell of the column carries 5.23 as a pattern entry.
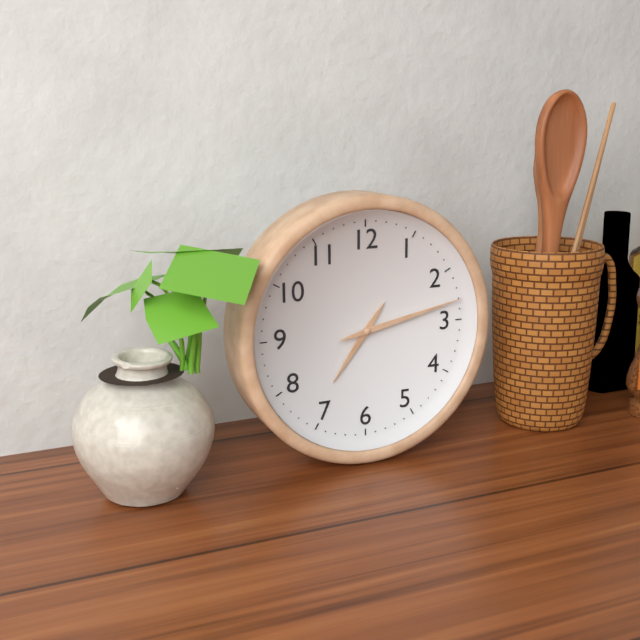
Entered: 7.13
